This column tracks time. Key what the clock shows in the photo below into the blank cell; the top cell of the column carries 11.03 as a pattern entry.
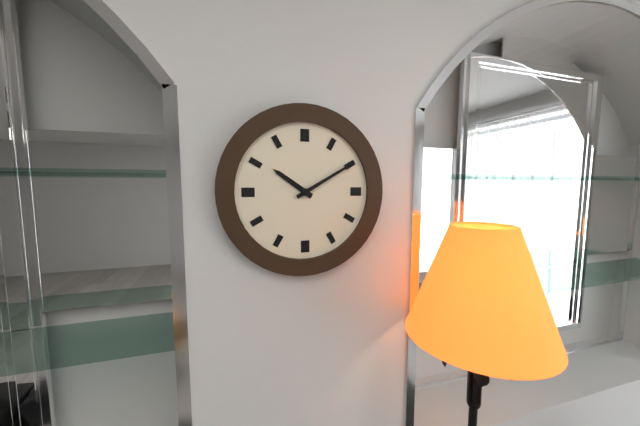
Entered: 10.10
